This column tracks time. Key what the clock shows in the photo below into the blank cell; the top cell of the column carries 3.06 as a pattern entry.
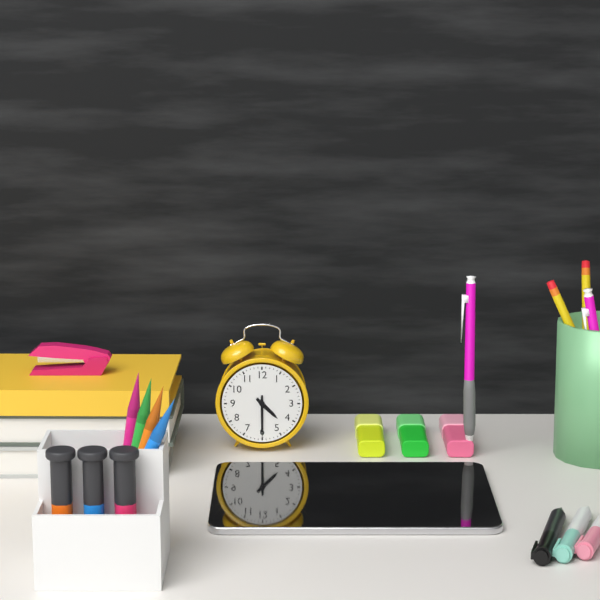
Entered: 4.30
